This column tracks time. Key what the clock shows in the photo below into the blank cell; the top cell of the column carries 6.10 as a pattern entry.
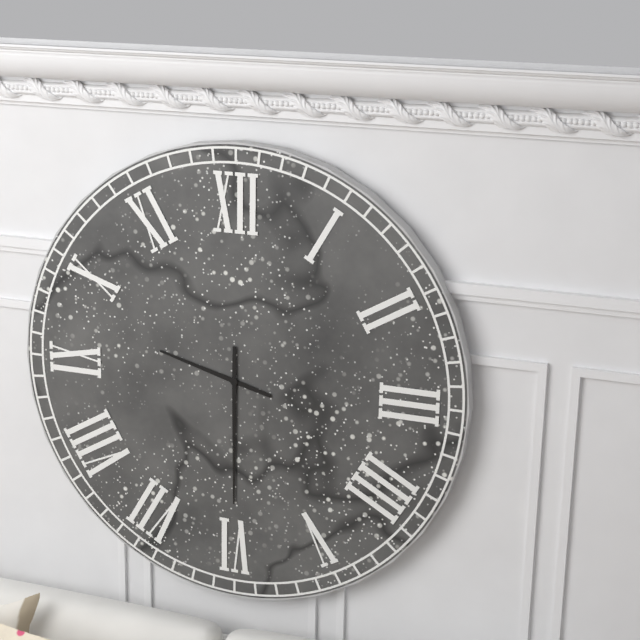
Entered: 9.30
